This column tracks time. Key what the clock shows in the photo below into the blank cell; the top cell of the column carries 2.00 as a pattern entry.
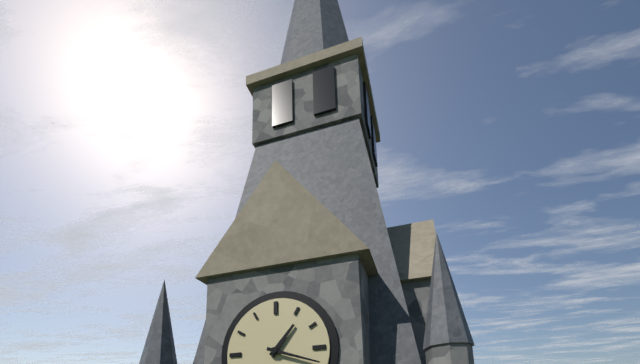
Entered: 1.18
